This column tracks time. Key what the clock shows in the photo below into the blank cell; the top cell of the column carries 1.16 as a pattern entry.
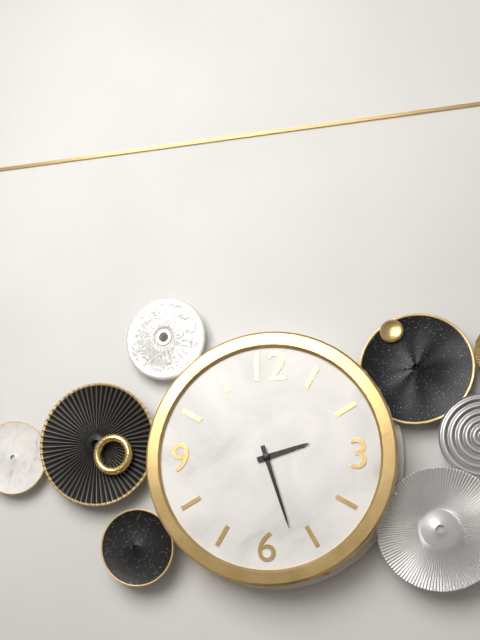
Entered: 2.27
